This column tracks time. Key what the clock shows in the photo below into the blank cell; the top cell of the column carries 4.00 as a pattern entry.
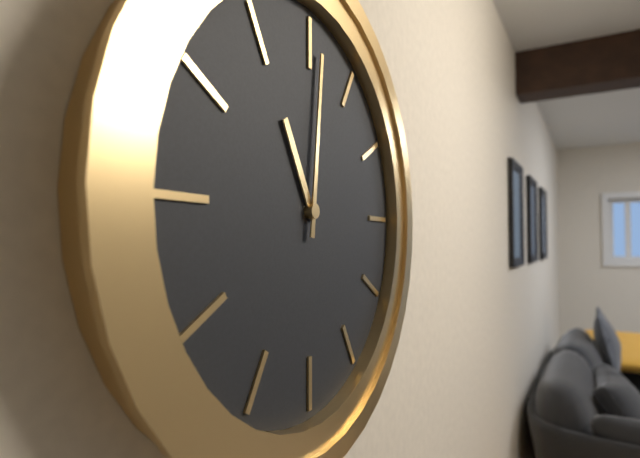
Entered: 11.01
